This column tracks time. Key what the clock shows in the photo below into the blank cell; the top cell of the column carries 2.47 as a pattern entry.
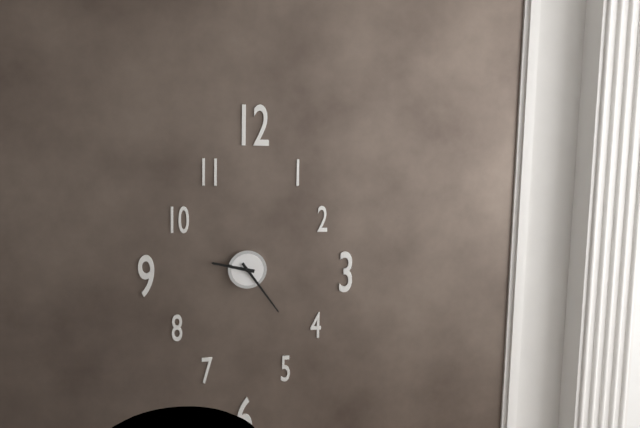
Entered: 9.24
